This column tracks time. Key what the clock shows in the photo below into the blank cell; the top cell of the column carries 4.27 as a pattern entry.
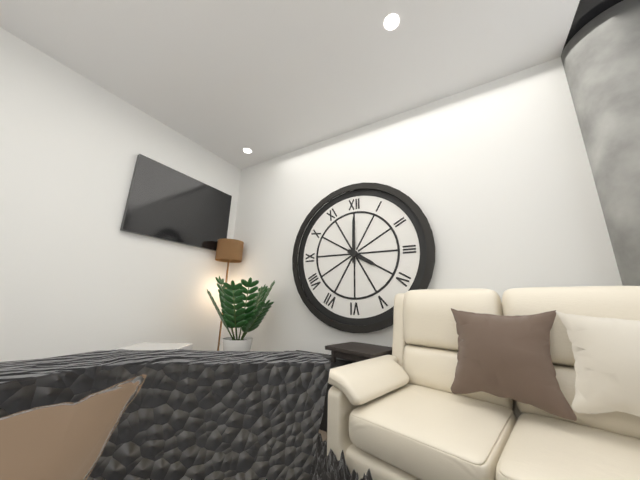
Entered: 4.00
